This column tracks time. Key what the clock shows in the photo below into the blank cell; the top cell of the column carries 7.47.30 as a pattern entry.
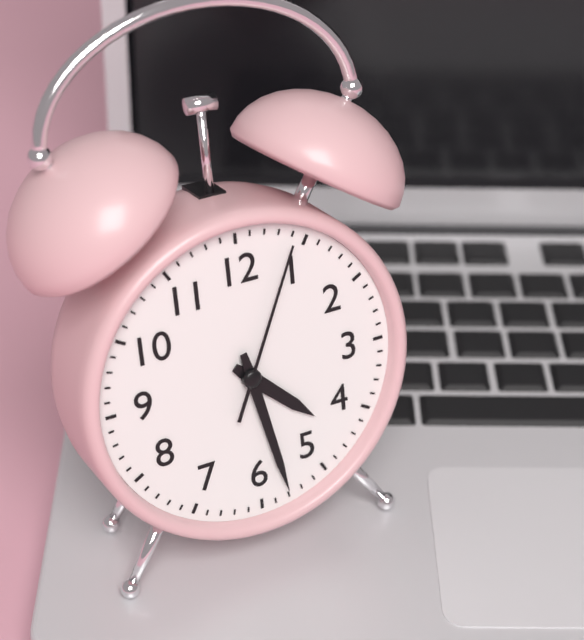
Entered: 4.28.04
